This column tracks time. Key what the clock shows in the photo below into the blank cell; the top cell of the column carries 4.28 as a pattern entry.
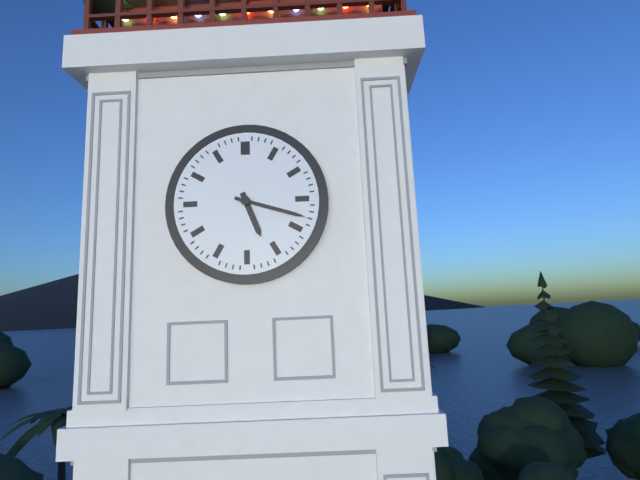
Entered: 5.18
